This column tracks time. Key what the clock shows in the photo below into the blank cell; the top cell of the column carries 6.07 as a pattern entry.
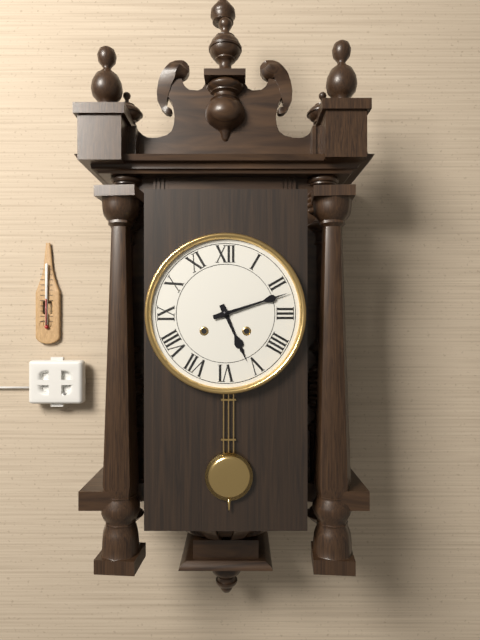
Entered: 5.12
